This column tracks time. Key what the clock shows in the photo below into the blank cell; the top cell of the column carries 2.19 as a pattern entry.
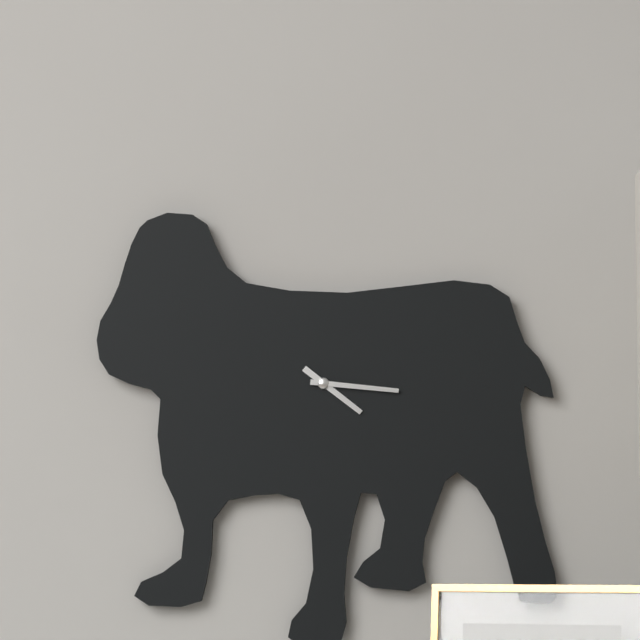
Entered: 4.16
